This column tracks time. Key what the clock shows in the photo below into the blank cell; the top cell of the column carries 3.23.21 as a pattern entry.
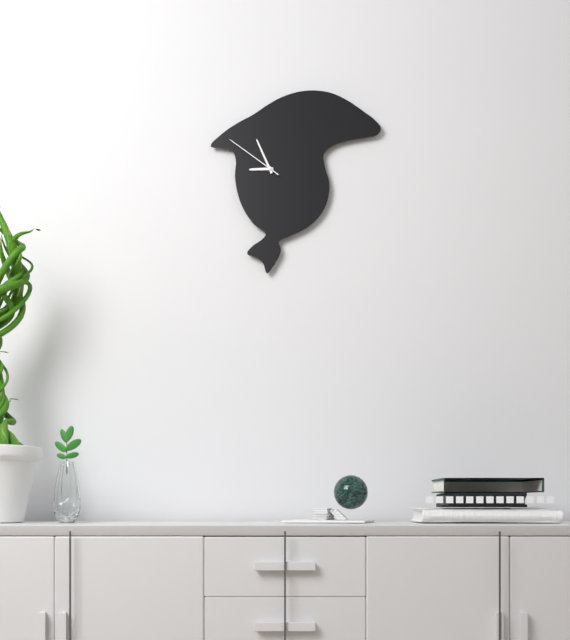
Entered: 8.56.51
